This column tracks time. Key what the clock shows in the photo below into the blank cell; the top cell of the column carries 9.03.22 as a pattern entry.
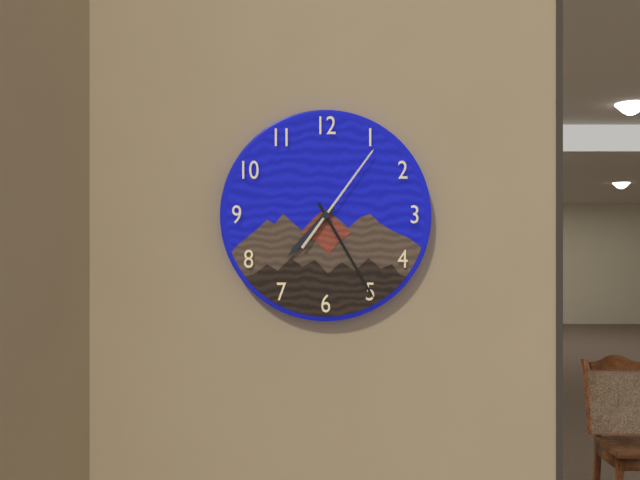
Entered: 7.25.06
